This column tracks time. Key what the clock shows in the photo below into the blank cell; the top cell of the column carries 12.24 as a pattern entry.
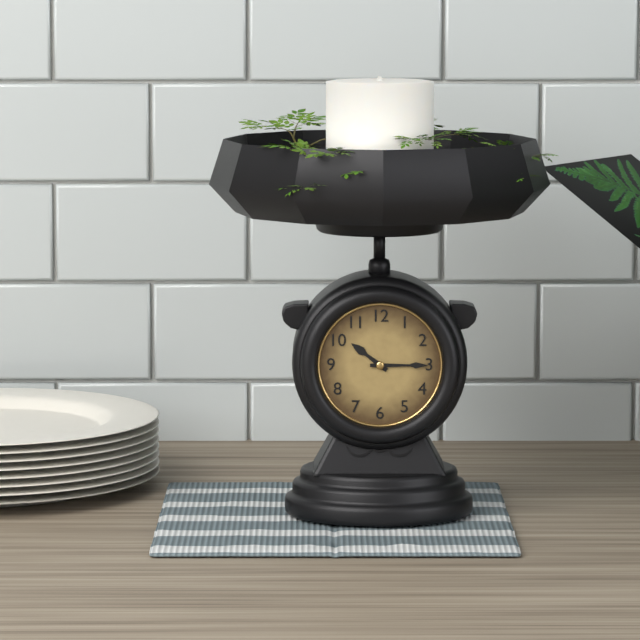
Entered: 10.15
